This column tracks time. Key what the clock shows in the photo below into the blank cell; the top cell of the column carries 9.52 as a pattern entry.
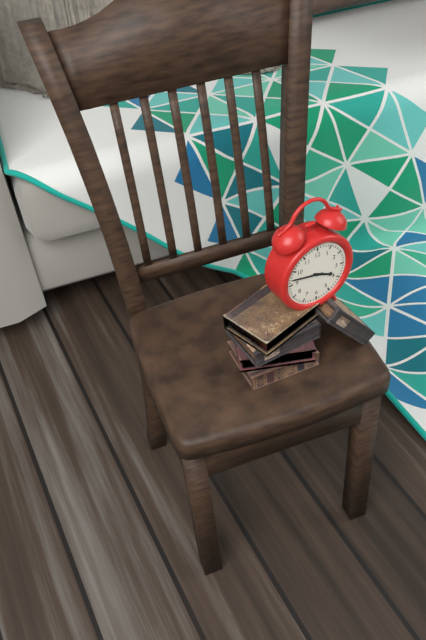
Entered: 3.47
